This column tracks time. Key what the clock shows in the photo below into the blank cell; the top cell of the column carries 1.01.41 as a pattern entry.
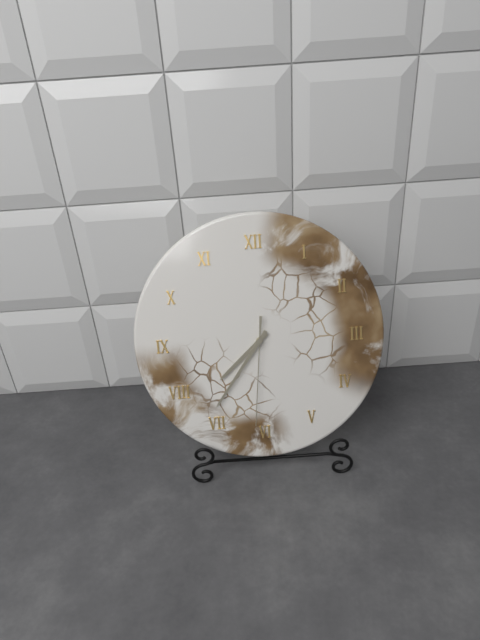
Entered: 7.36.31
